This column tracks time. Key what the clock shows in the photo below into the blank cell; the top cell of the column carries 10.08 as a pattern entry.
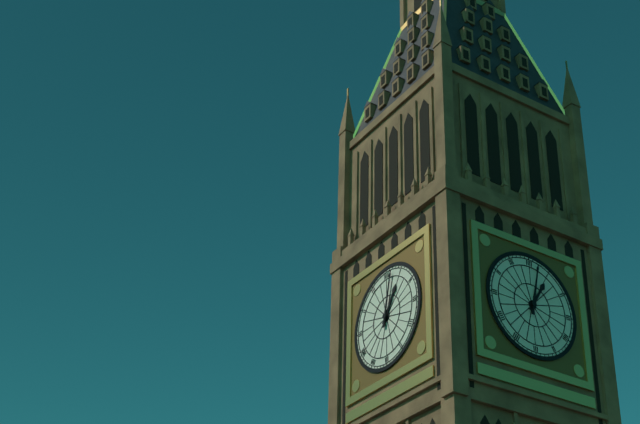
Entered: 1.02
